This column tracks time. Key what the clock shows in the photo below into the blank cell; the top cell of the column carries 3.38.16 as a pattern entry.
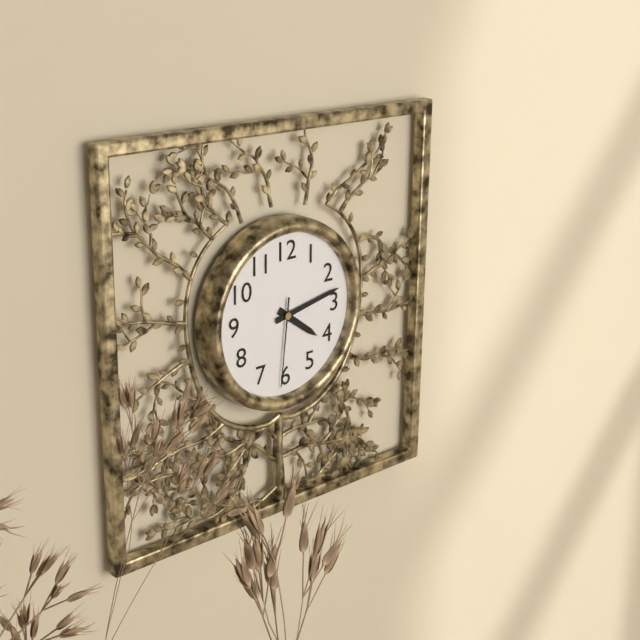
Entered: 4.13.31
